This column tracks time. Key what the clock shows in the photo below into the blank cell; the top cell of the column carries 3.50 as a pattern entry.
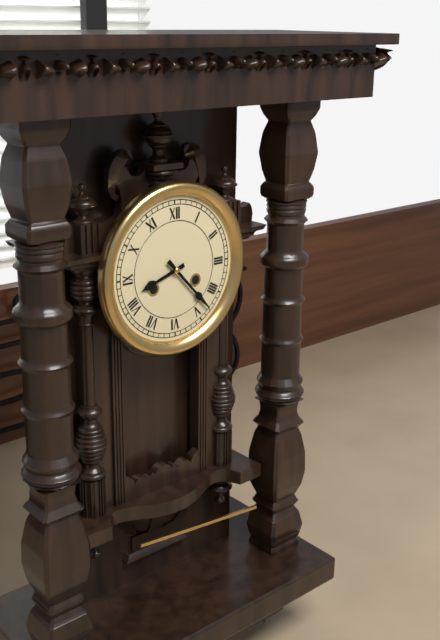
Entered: 8.23
